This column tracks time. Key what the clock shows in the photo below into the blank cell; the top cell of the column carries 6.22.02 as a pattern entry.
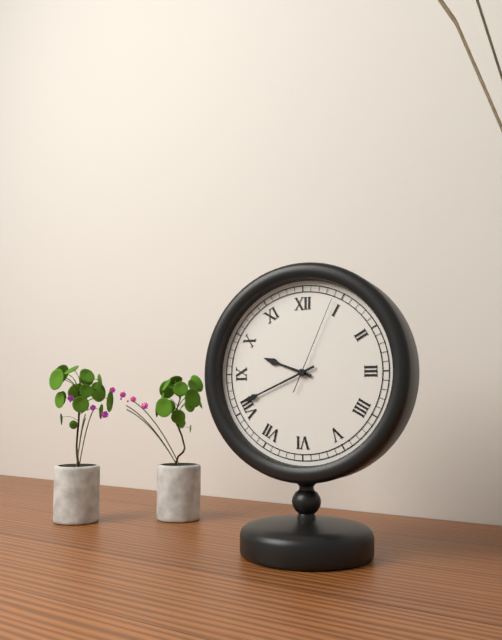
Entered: 9.41.04
